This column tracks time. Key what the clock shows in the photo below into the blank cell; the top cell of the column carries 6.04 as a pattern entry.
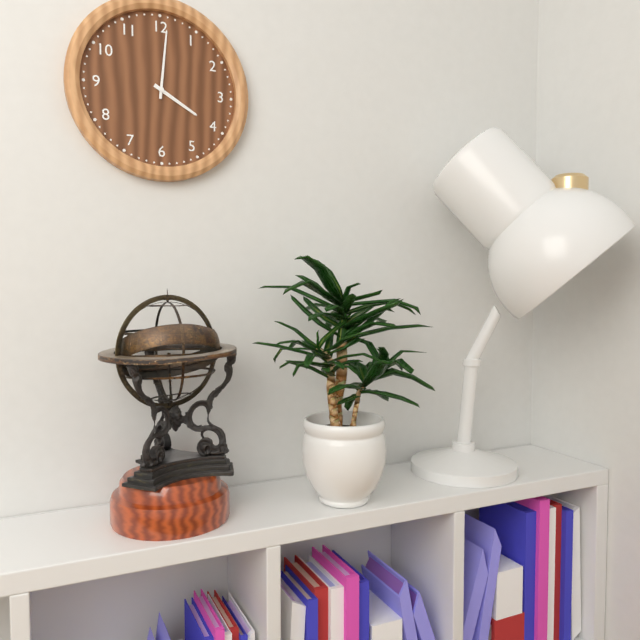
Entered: 4.01
